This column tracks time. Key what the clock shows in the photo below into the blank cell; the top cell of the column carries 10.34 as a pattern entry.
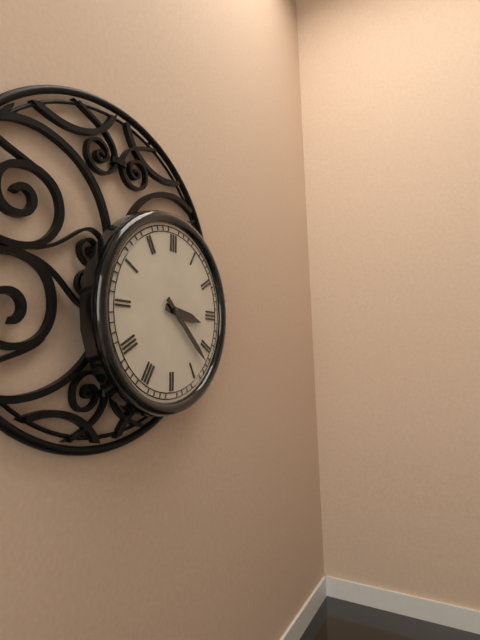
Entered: 3.22
